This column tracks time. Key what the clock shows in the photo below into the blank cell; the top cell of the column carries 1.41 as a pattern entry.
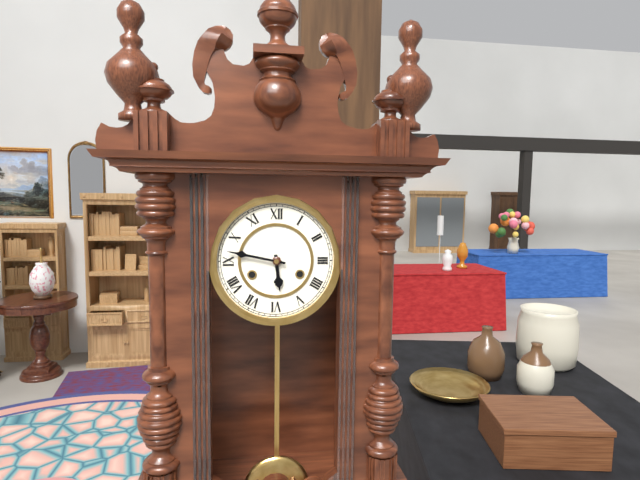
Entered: 5.47
